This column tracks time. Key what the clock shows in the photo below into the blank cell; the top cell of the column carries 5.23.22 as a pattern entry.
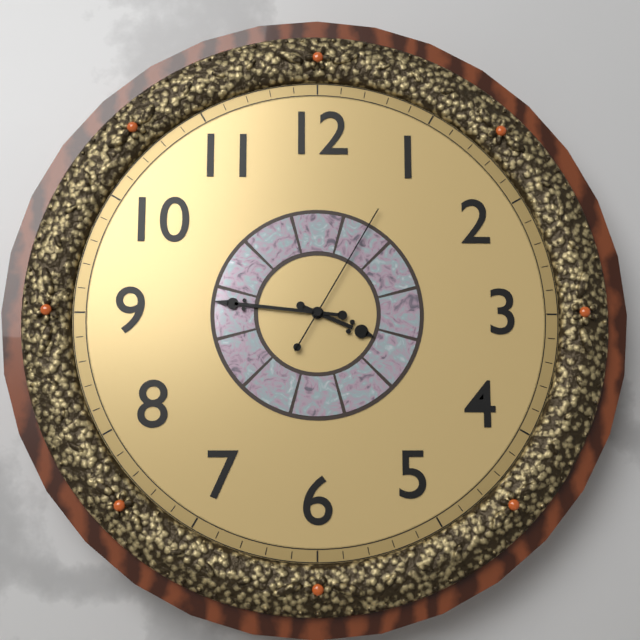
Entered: 3.46.05
